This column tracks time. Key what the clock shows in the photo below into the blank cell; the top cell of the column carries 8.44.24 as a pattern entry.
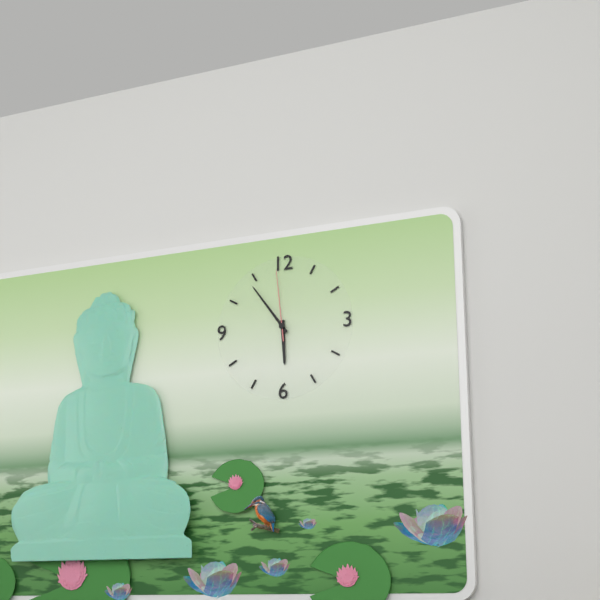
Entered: 5.54.59
